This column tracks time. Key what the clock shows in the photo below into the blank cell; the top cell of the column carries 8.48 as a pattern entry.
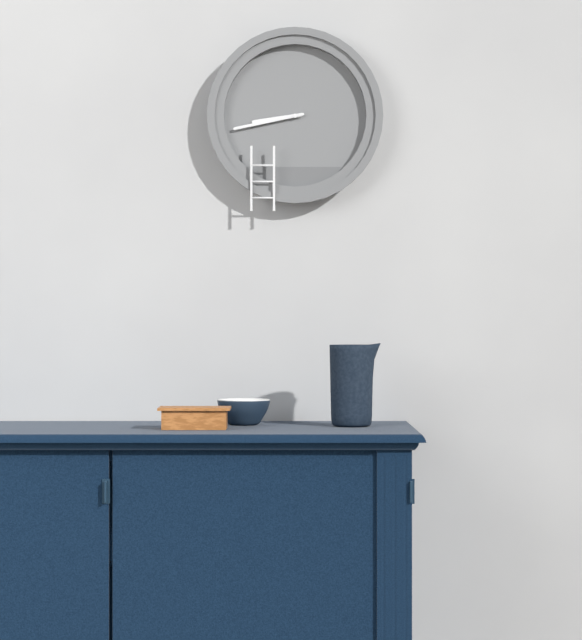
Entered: 8.43
